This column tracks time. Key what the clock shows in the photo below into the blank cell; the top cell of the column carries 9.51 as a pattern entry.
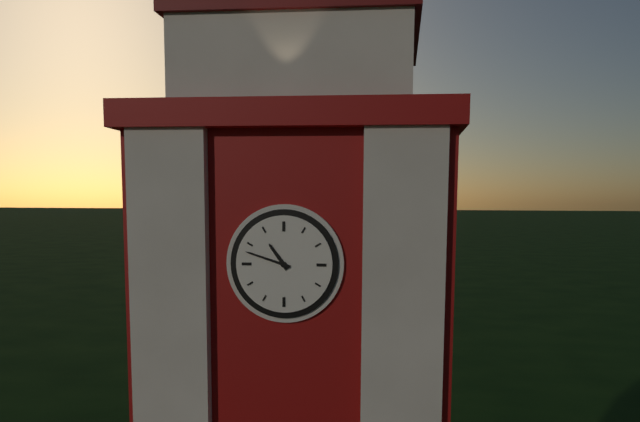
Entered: 10.48
